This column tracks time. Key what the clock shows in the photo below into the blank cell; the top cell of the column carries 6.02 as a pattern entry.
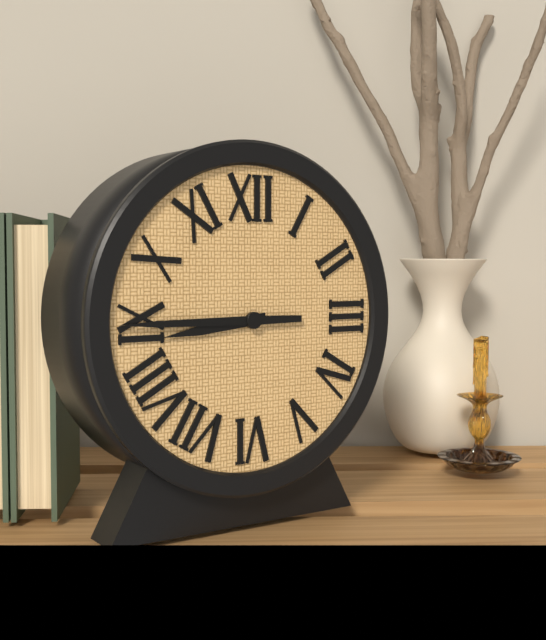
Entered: 8.45
